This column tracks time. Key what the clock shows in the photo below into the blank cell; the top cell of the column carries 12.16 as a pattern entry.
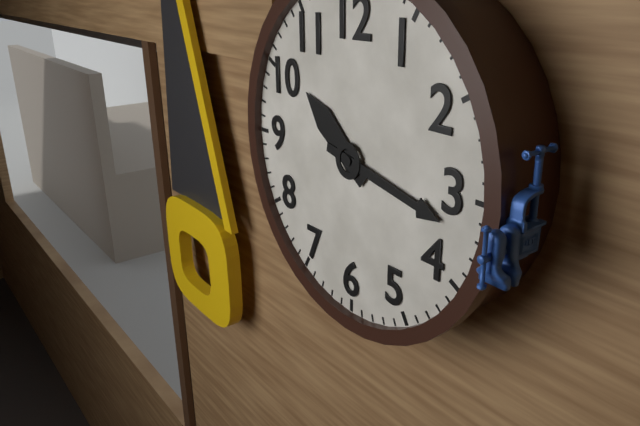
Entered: 10.17
